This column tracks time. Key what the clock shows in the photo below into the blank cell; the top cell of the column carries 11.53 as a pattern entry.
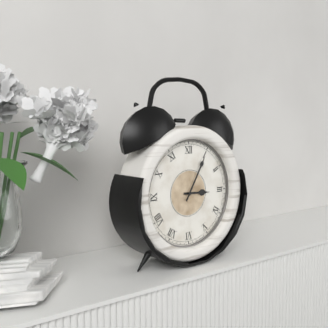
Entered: 3.05
